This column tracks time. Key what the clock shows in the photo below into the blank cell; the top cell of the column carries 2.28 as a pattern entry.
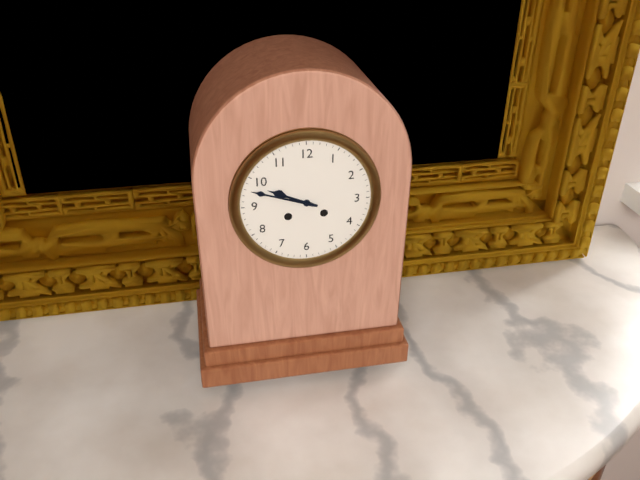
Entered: 9.48
